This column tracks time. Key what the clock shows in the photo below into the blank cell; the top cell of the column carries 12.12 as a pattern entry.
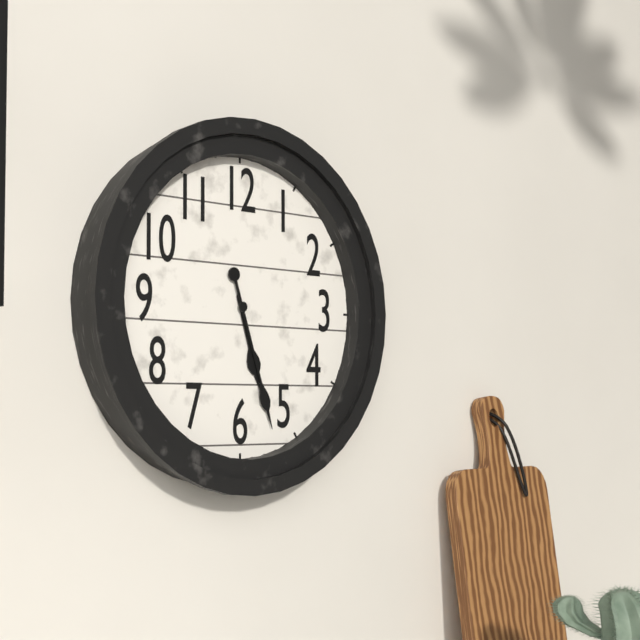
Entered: 5.27
